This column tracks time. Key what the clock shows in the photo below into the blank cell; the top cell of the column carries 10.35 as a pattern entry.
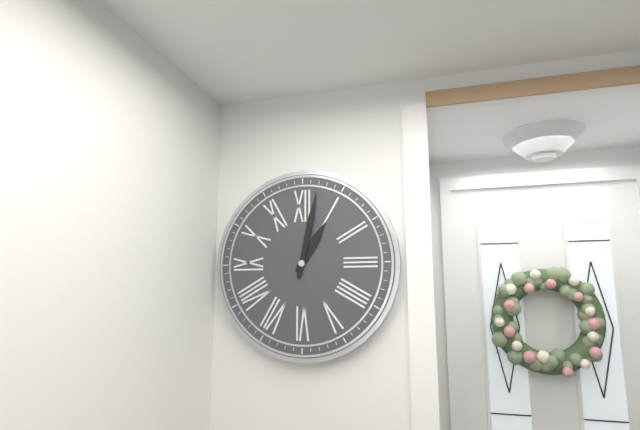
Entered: 1.02
